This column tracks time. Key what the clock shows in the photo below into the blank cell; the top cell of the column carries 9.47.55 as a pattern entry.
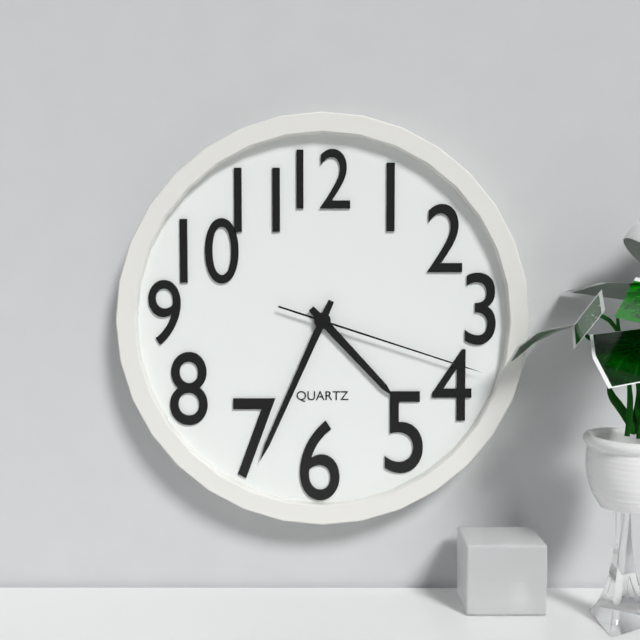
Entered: 4.34.18
